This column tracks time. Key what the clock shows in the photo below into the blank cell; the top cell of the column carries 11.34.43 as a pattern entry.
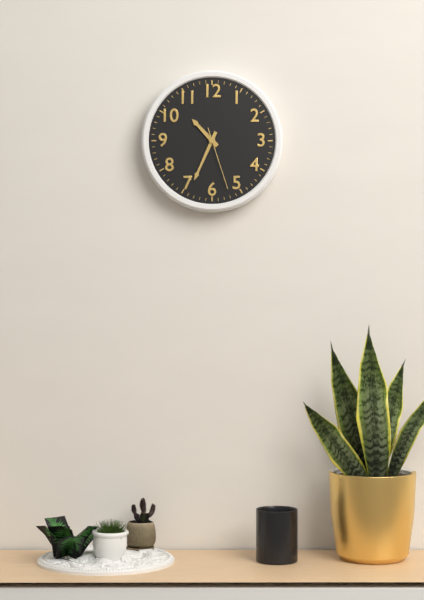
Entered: 10.34.27
